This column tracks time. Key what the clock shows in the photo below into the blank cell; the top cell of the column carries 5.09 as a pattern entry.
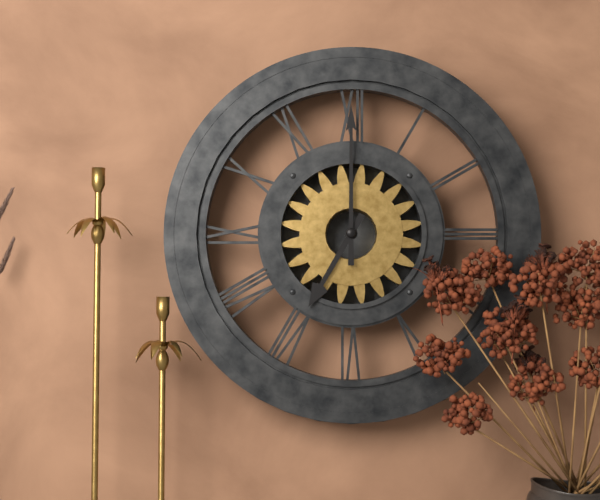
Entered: 7.00
